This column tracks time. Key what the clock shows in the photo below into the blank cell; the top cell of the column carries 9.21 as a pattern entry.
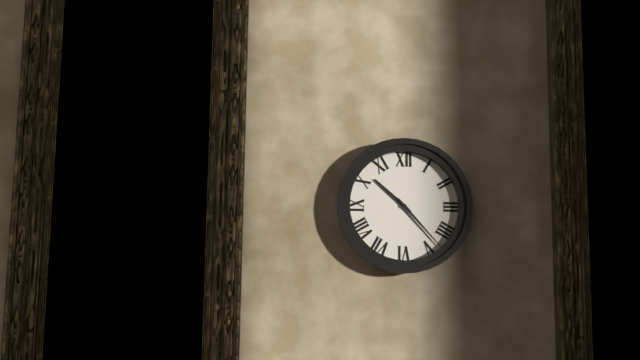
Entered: 10.23
